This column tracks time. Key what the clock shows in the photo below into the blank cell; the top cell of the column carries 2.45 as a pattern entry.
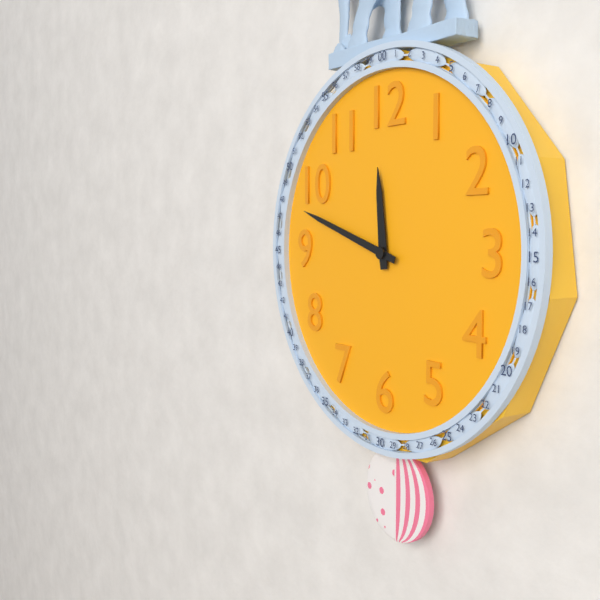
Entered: 11.48
